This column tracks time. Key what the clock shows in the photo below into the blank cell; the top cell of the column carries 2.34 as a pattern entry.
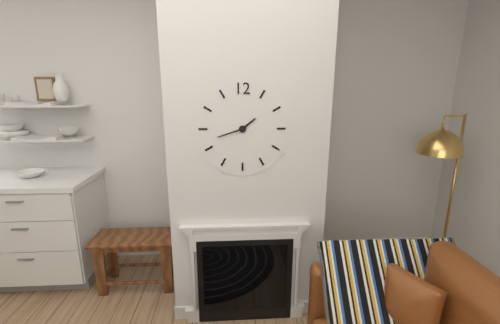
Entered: 1.42
